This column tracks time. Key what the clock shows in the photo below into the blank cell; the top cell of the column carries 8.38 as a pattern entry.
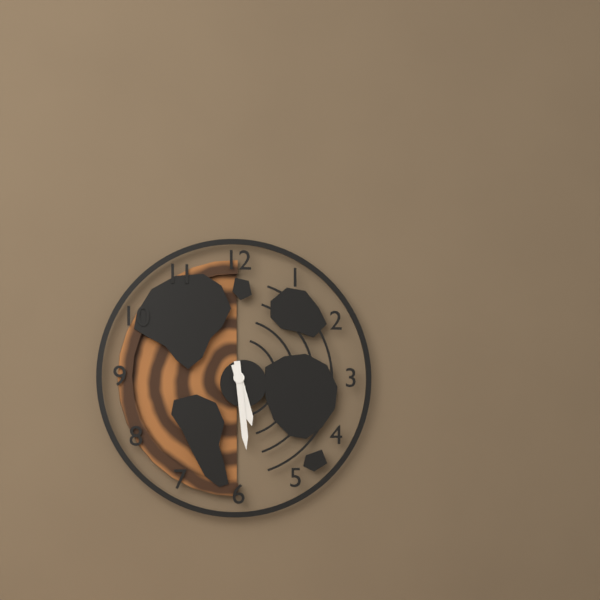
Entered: 5.29
